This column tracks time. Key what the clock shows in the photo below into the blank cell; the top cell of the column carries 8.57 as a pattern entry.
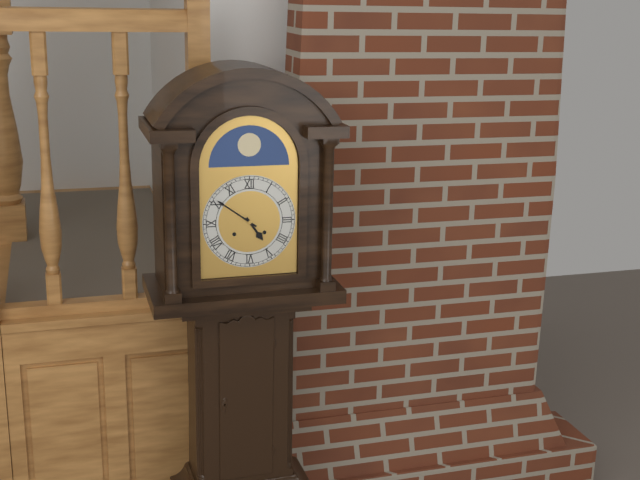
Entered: 4.51
